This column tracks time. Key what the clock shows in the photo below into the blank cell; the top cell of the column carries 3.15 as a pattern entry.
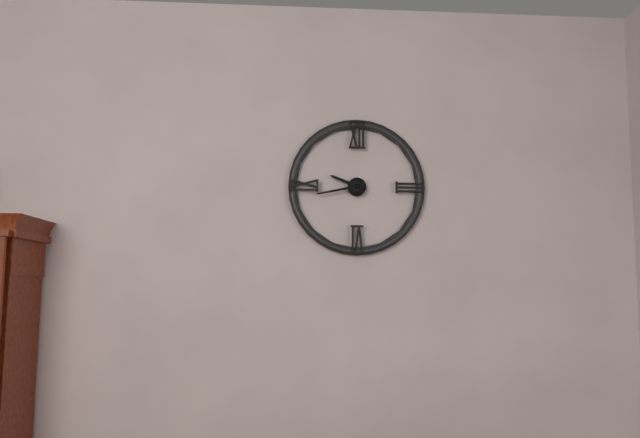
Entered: 9.43
